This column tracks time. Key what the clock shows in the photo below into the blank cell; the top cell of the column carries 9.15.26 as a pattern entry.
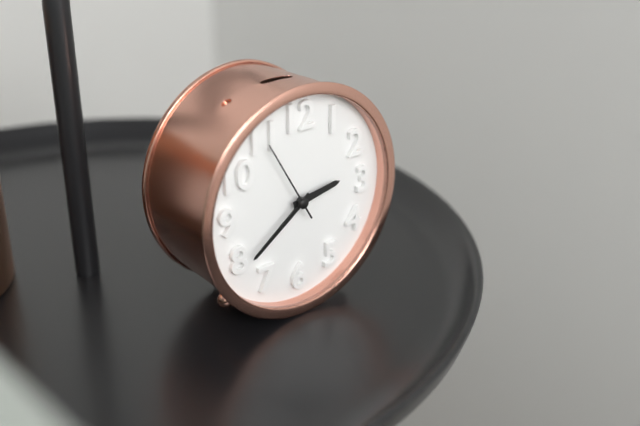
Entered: 2.39.55
